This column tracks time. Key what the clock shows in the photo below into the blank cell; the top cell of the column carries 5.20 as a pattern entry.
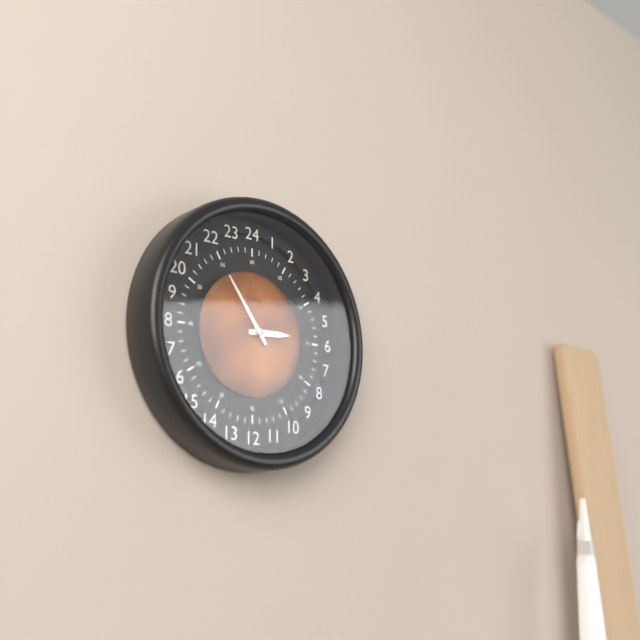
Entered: 2.54
